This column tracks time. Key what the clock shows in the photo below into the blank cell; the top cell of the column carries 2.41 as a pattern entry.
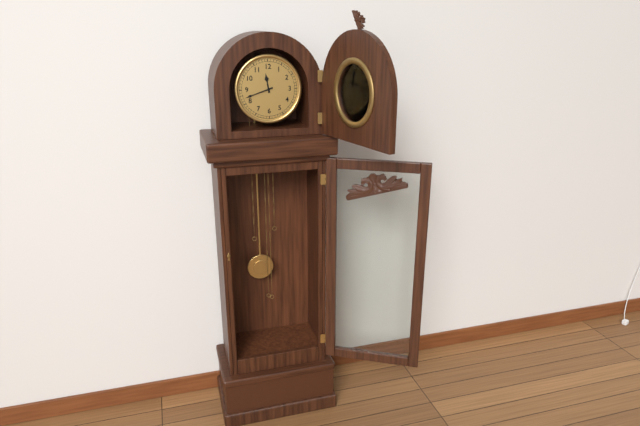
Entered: 11.42
